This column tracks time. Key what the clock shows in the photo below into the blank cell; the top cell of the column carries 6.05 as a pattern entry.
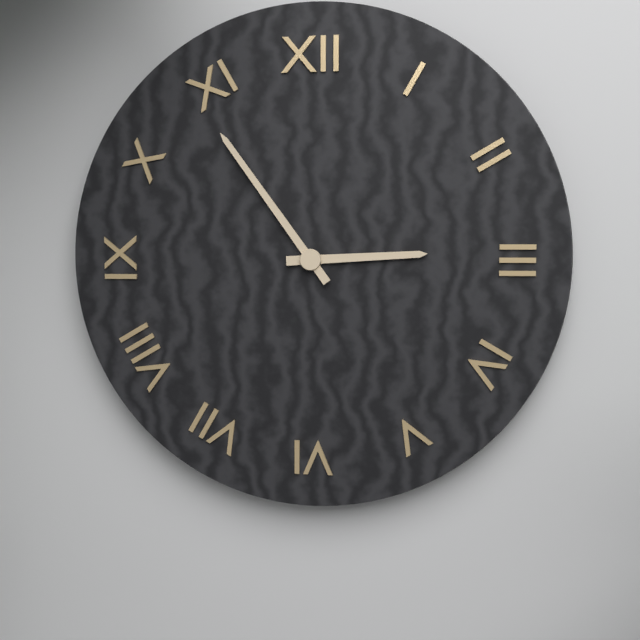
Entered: 2.54
